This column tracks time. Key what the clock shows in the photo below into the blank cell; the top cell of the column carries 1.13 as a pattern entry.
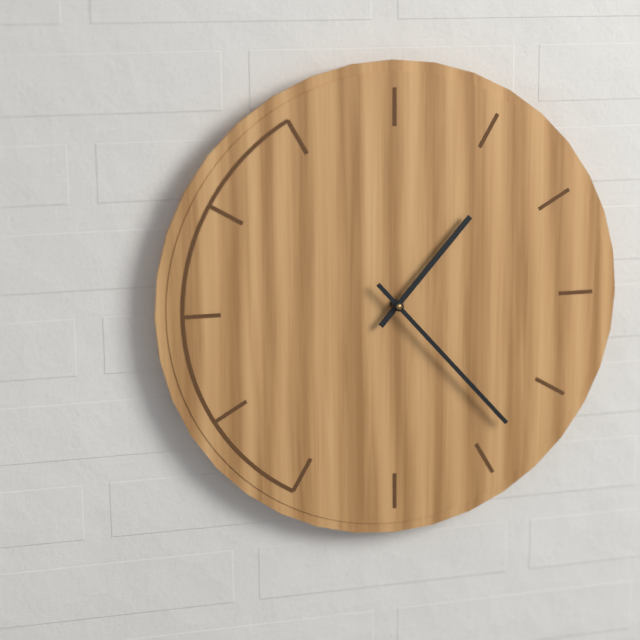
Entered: 1.23
